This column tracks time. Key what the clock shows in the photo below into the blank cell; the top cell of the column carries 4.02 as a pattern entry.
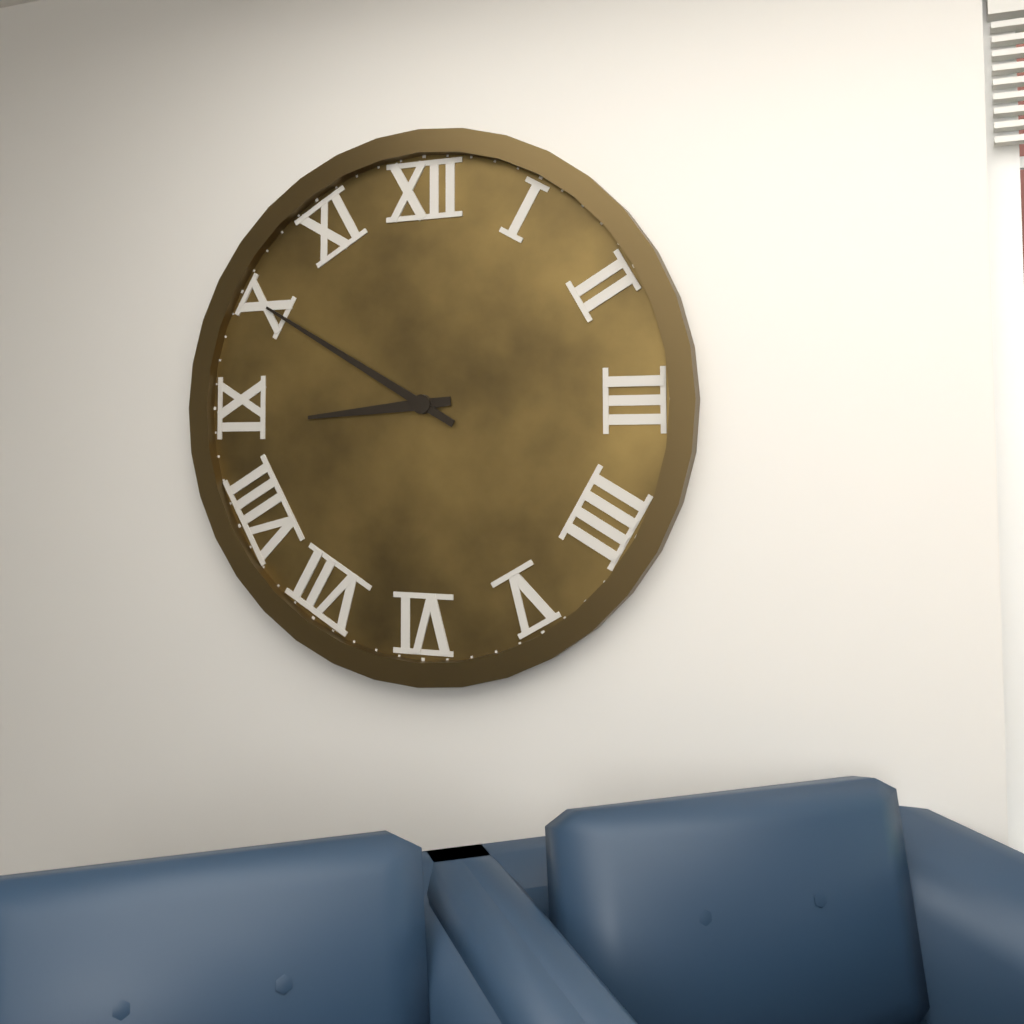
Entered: 8.50
